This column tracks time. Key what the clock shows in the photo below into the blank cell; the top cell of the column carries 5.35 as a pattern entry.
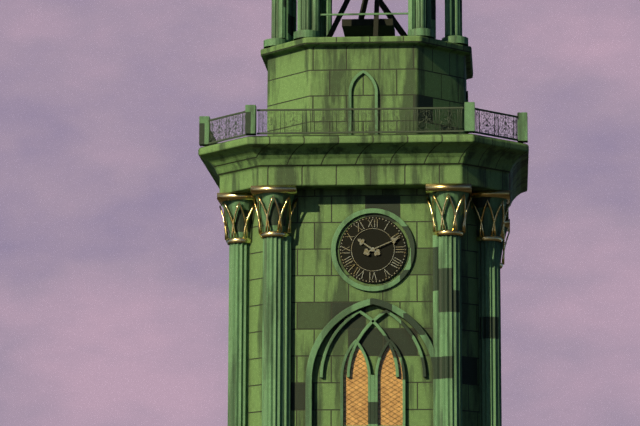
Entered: 10.11
